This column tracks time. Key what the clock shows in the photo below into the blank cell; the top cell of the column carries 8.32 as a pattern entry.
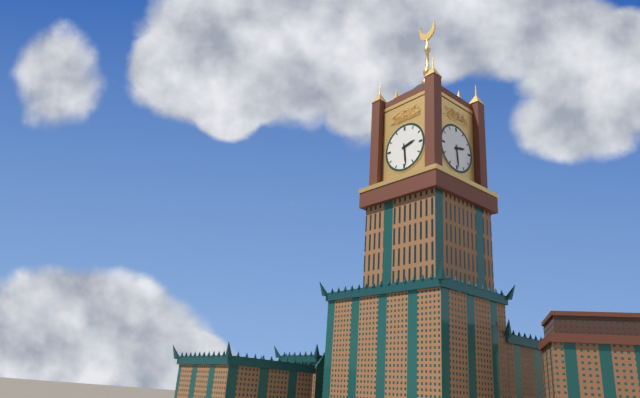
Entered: 2.29
